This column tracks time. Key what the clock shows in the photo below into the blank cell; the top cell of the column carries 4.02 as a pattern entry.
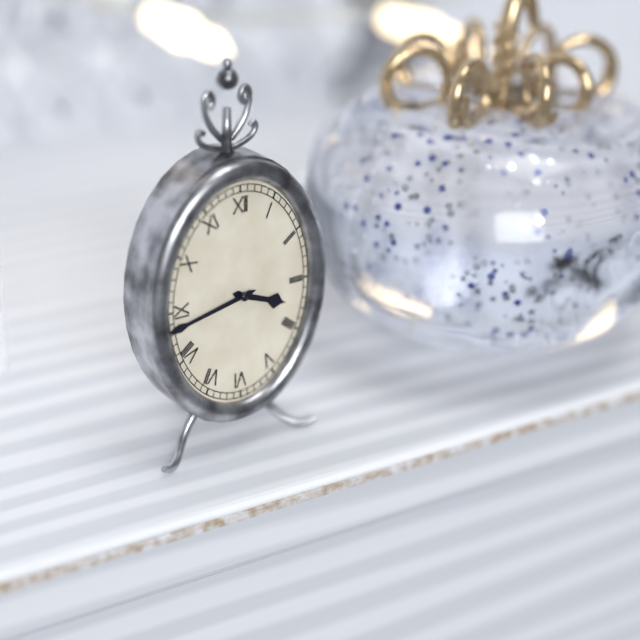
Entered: 3.43
